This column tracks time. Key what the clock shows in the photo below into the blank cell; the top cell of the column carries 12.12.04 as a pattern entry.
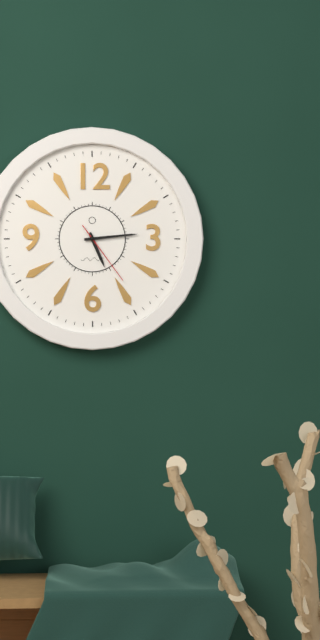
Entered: 5.14.24
